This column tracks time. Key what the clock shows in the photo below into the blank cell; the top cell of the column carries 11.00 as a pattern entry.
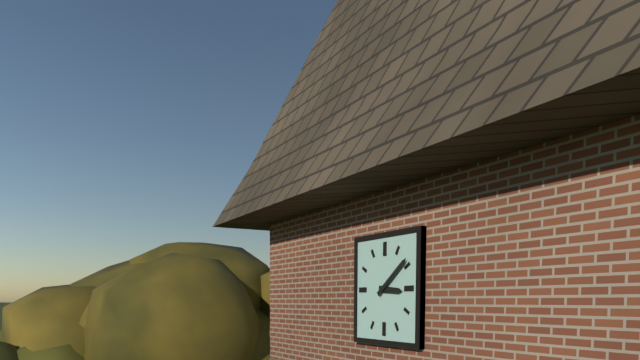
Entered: 3.09
